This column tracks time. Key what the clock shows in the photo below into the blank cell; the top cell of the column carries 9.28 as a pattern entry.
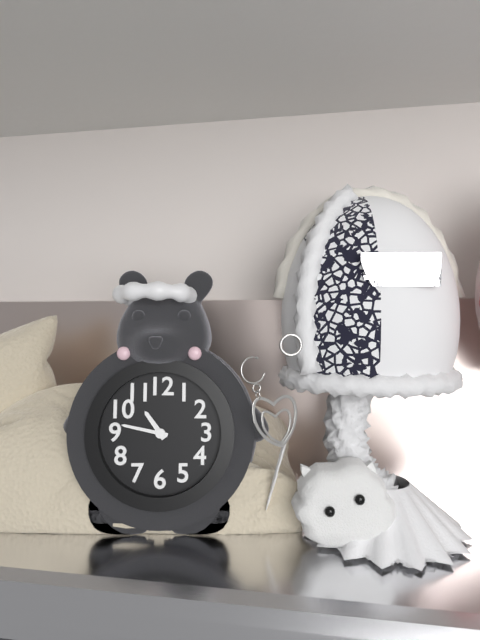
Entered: 10.47
